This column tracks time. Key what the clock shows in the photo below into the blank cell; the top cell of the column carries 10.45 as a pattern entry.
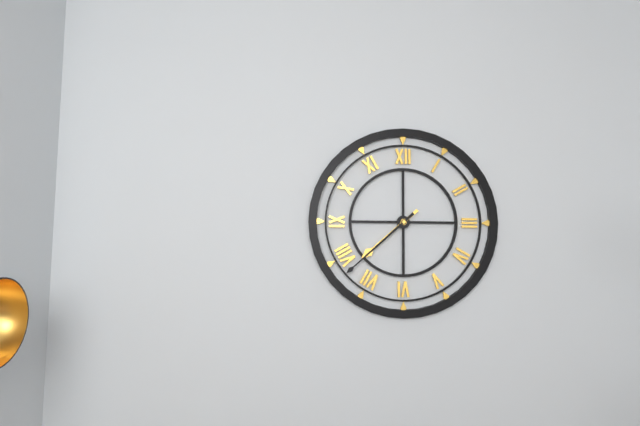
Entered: 7.38
